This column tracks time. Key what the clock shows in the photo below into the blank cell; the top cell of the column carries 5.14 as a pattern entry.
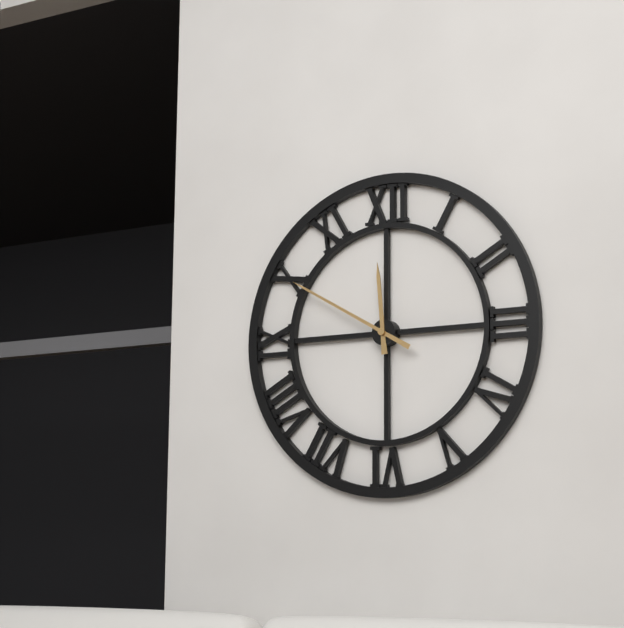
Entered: 11.50
